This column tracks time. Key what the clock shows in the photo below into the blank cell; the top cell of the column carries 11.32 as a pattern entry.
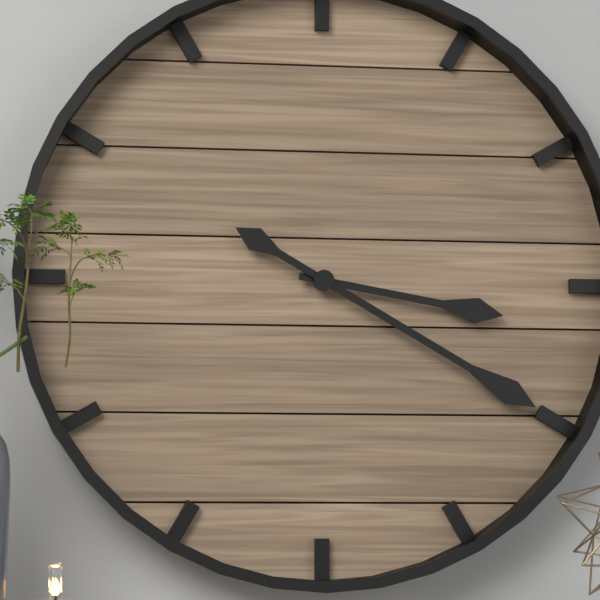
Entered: 3.20
